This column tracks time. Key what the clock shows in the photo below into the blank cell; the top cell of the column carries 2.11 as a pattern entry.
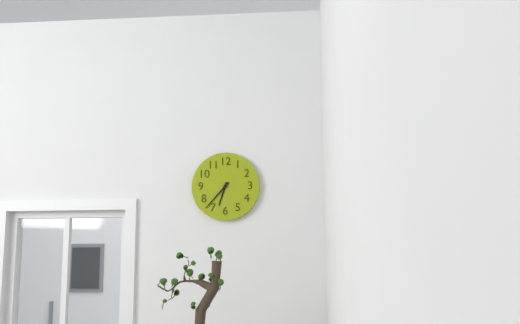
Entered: 6.37
